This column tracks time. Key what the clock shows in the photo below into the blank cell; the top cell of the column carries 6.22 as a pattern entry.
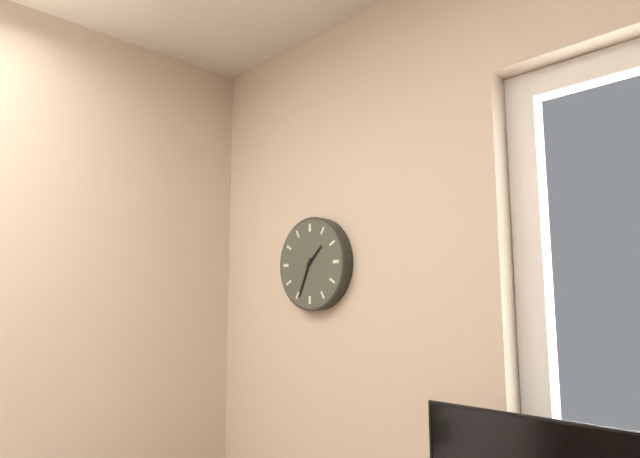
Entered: 1.34
